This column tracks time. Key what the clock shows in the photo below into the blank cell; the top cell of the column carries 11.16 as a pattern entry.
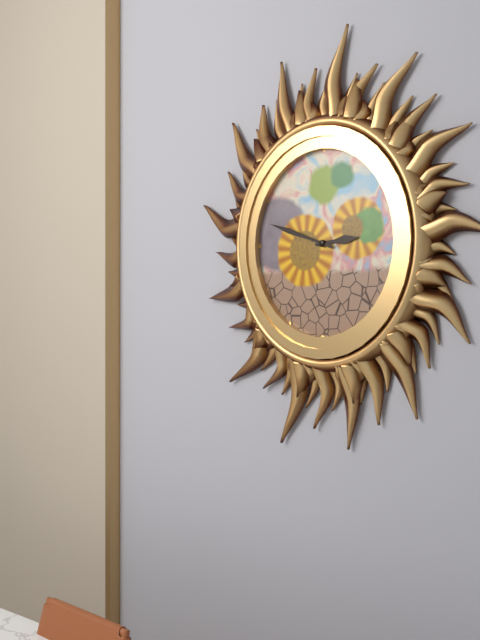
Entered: 2.48
